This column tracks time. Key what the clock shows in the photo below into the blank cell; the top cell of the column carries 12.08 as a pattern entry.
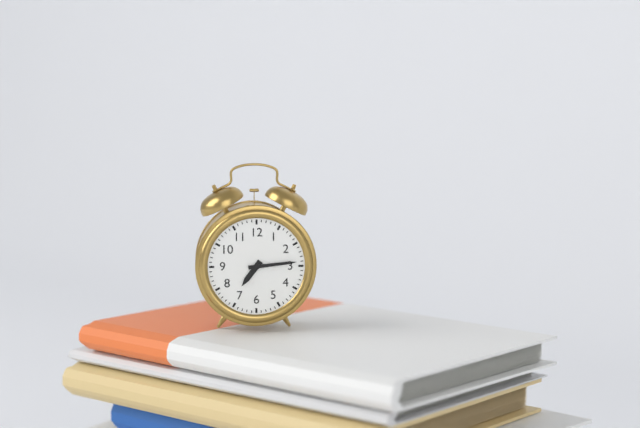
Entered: 7.14
